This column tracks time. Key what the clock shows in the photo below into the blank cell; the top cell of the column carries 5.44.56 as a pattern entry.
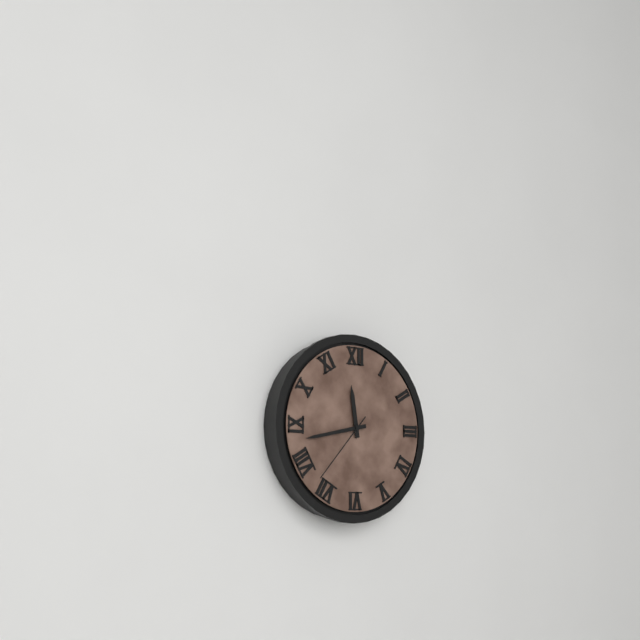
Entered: 11.43.37
